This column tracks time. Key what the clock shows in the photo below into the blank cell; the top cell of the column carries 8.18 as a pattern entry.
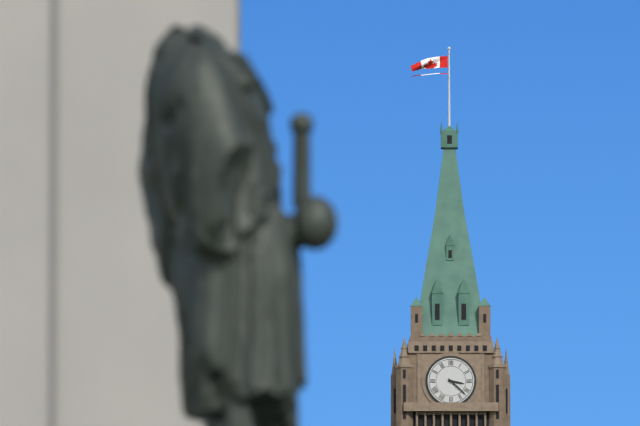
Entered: 3.22
